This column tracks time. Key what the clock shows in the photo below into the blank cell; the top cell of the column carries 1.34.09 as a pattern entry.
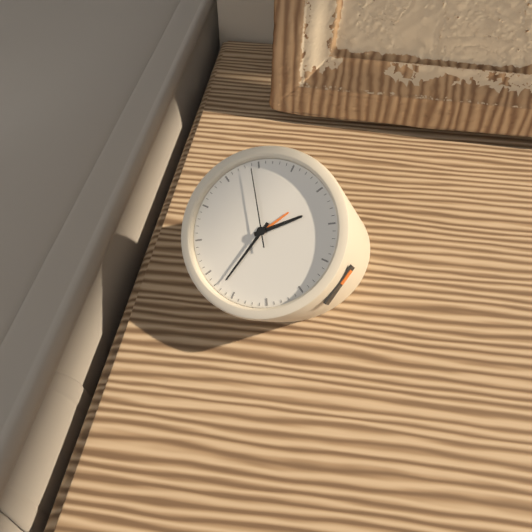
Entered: 1.32.54
